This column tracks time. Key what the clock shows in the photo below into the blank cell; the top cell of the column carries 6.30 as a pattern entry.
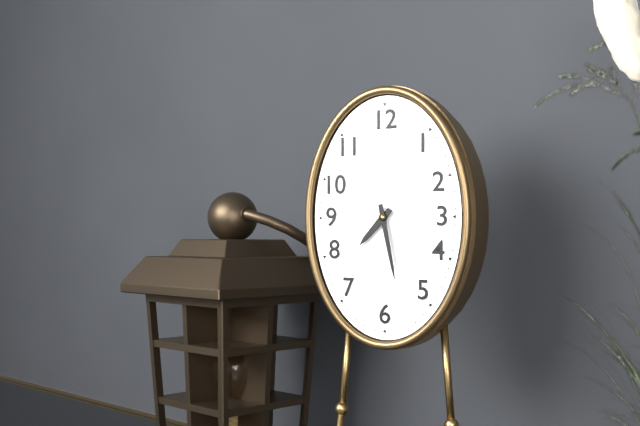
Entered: 7.28
